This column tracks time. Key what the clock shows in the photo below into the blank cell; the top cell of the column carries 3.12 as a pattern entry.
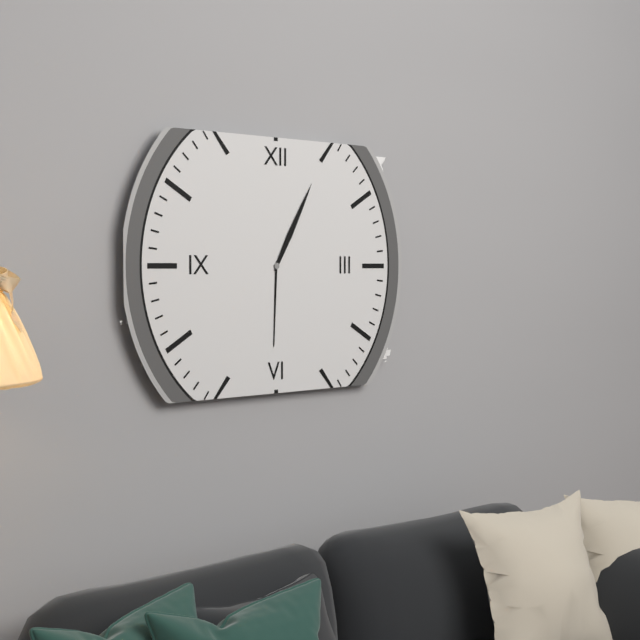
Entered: 6.05
